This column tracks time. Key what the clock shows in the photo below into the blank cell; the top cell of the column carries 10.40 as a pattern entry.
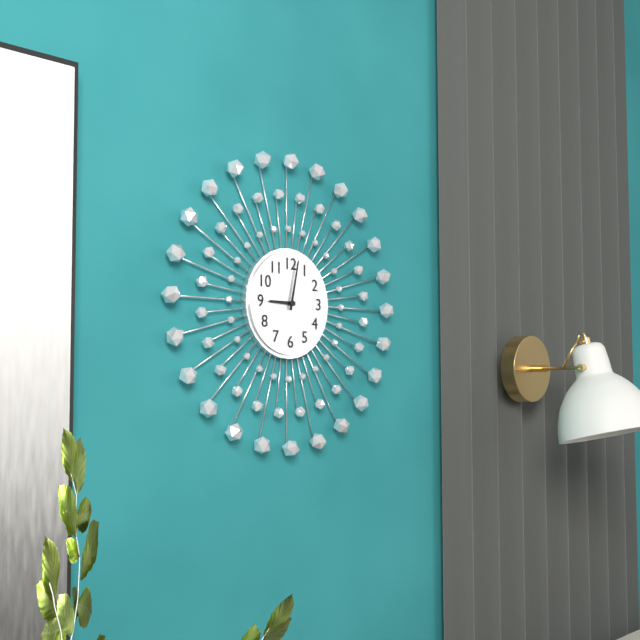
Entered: 9.02
